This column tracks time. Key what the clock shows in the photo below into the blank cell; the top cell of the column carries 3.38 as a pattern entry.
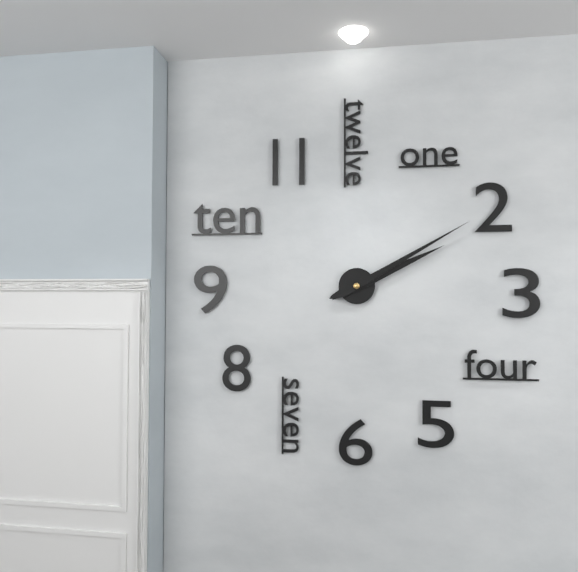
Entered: 2.10
